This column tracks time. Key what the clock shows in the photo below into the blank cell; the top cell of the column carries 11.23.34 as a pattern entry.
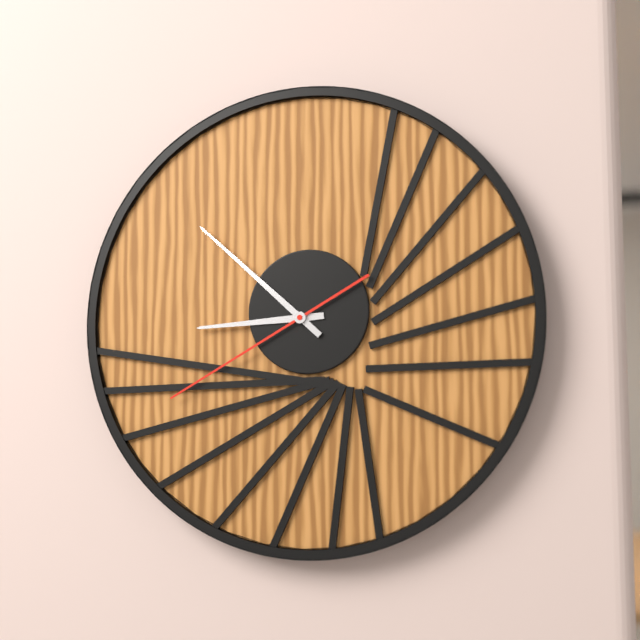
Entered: 8.52.40
